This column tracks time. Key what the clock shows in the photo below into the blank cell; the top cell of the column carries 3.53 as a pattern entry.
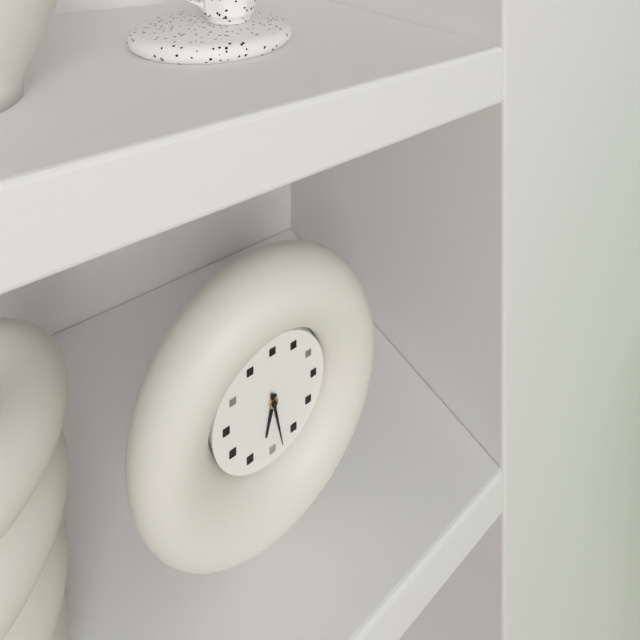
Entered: 6.28
